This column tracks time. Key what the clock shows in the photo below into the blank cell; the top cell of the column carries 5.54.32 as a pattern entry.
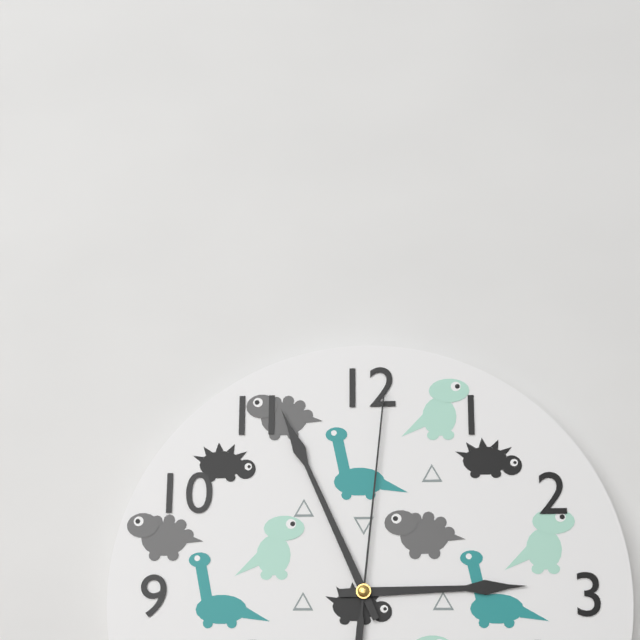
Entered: 2.56.01
